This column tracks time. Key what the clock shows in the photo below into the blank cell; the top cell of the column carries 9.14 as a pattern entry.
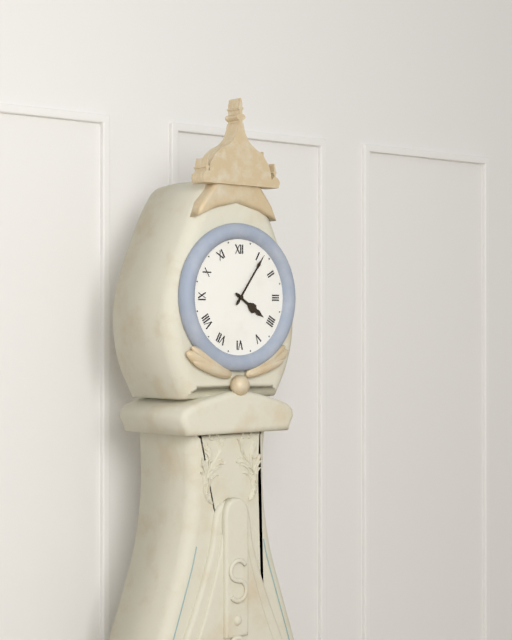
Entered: 4.06
